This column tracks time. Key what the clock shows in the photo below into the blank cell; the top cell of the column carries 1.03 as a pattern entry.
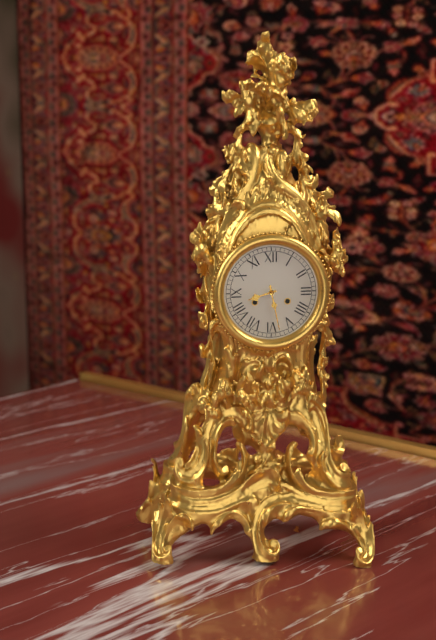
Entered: 8.28
